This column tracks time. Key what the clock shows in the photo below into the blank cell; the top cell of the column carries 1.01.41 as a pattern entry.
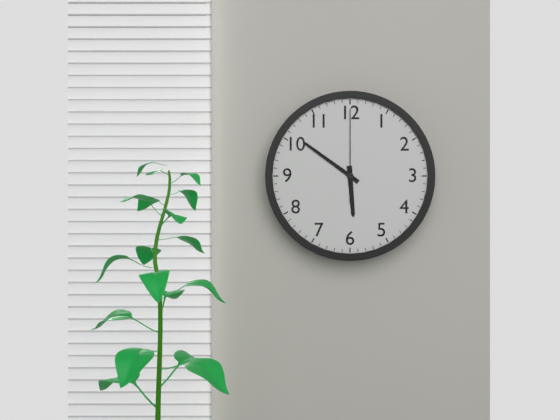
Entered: 5.51.00
